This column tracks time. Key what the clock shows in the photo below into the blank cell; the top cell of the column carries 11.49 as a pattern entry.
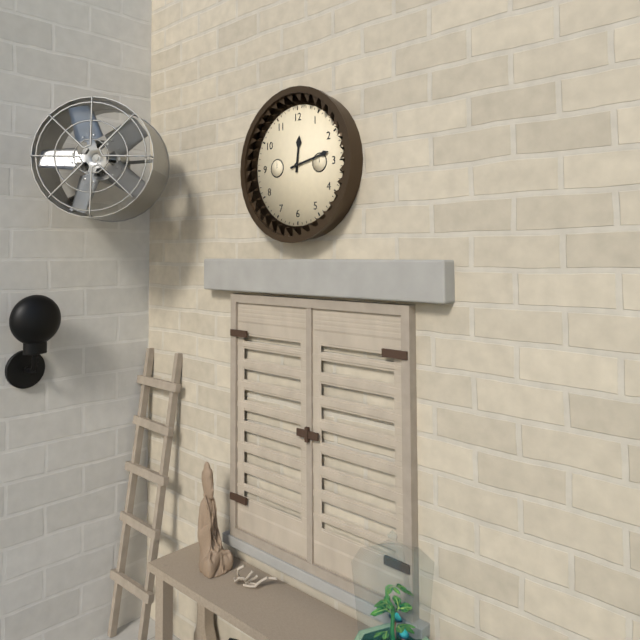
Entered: 12.13
